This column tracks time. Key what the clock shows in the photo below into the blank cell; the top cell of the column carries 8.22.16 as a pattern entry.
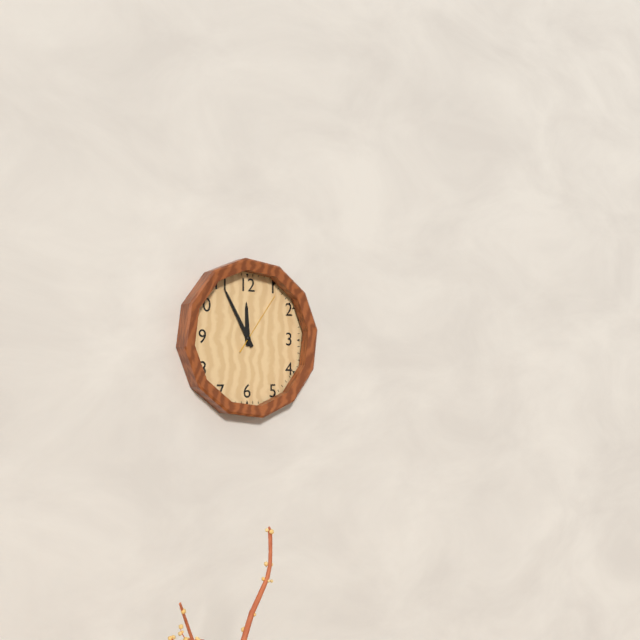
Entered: 11.55.06
